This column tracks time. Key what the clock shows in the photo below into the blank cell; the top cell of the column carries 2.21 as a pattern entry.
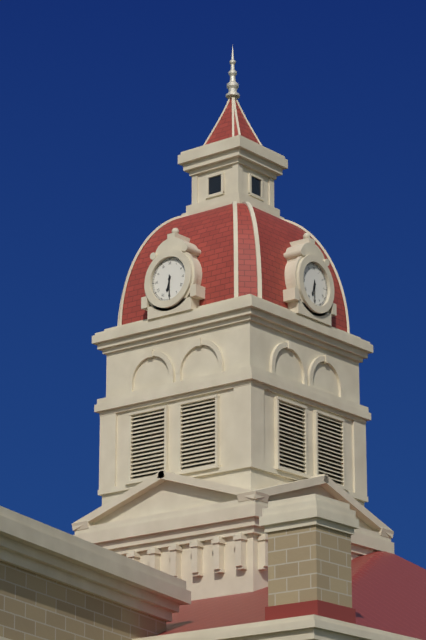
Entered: 6.30
